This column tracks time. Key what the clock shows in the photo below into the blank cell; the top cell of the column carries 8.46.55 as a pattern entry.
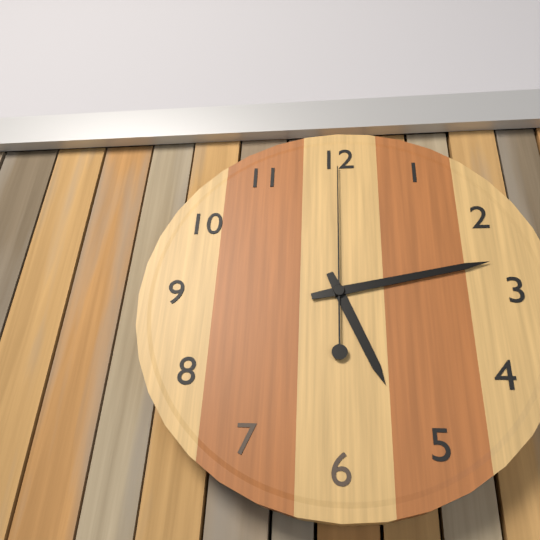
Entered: 5.13.00
